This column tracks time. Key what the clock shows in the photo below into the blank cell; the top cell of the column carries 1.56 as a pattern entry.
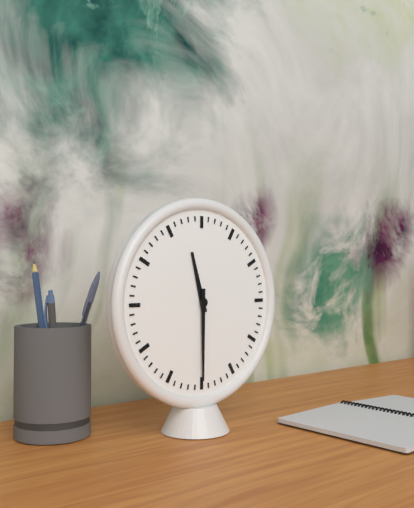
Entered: 11.30
